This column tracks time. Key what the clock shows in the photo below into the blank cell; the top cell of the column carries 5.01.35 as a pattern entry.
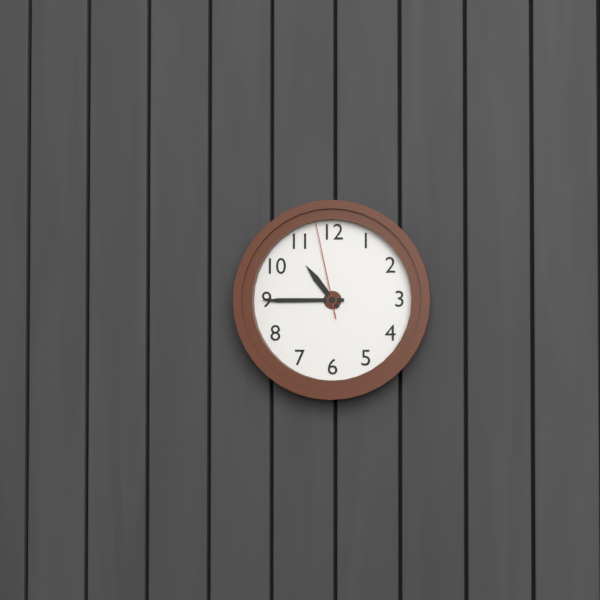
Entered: 10.45.58
